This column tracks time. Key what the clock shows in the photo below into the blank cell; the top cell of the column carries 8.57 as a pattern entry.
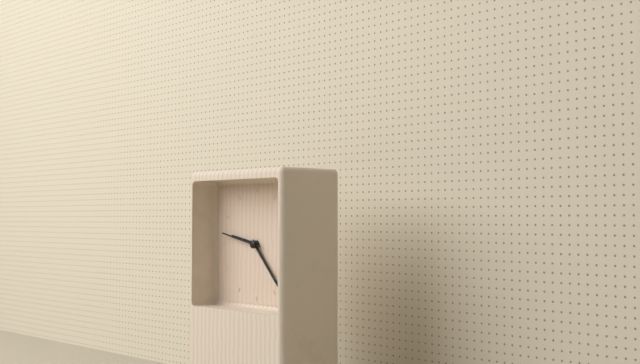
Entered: 9.23
